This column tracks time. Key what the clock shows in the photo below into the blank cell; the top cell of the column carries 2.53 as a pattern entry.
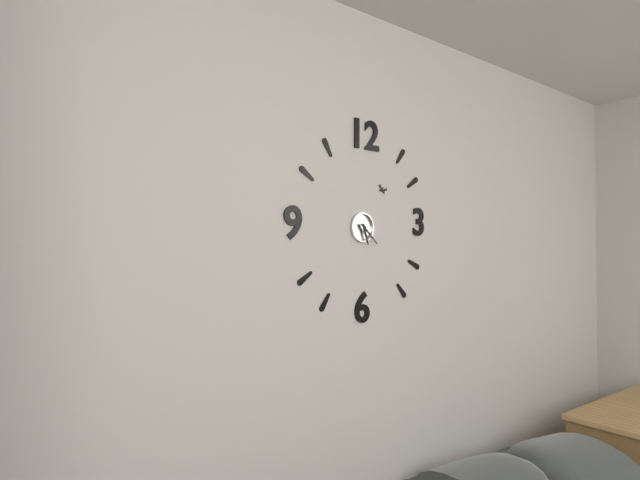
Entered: 5.22
